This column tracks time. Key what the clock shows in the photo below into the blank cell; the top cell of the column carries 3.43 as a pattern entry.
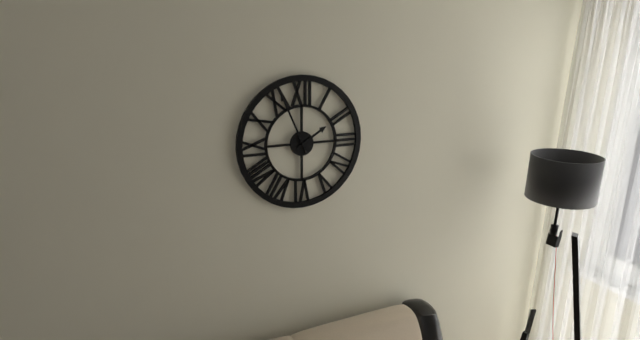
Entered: 1.56
